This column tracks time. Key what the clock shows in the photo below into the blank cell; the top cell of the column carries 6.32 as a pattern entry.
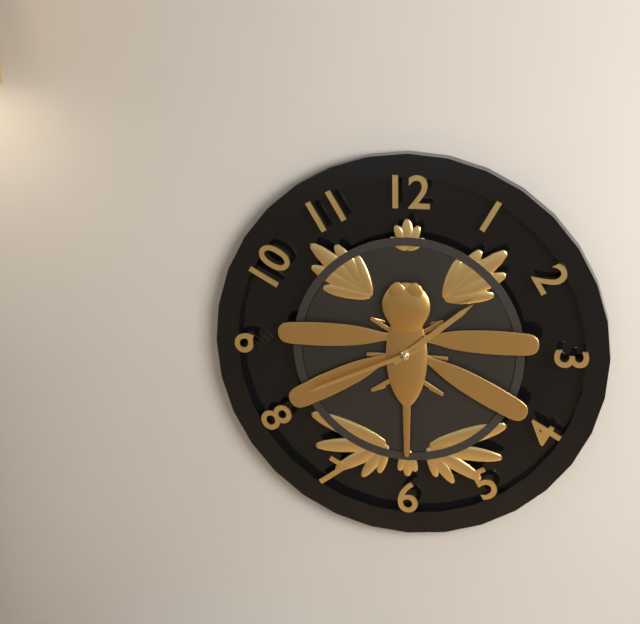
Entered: 1.41
